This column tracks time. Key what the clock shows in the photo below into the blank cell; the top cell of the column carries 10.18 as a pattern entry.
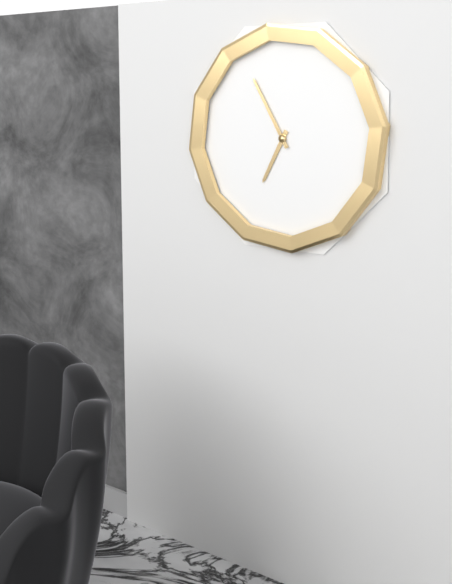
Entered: 6.55
